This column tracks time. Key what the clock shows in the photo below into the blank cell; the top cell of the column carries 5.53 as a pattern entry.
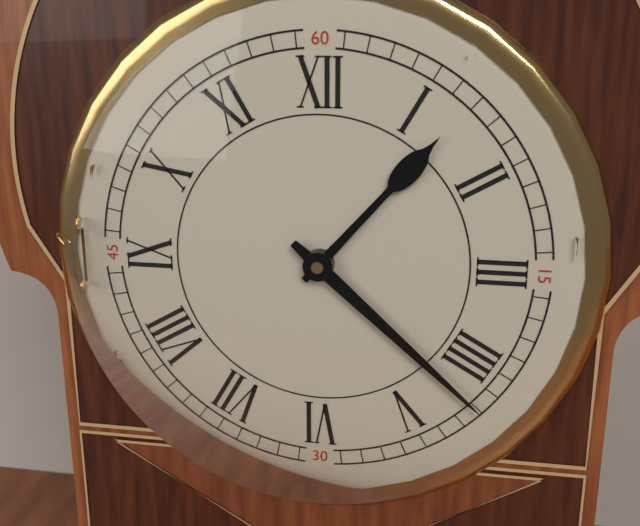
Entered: 1.22
